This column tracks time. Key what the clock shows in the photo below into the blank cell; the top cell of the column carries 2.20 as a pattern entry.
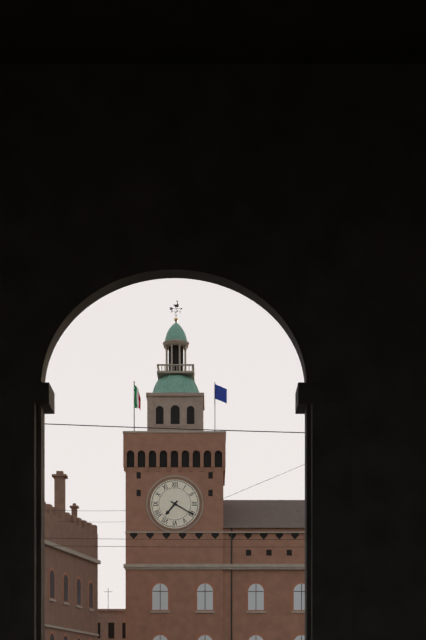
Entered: 7.20
